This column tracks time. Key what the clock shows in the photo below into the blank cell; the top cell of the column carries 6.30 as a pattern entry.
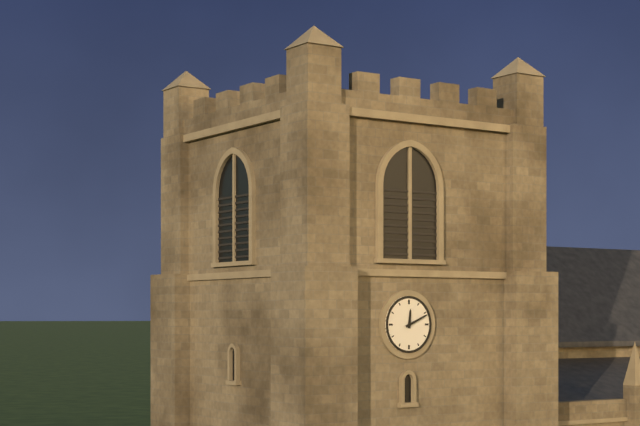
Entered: 12.11
